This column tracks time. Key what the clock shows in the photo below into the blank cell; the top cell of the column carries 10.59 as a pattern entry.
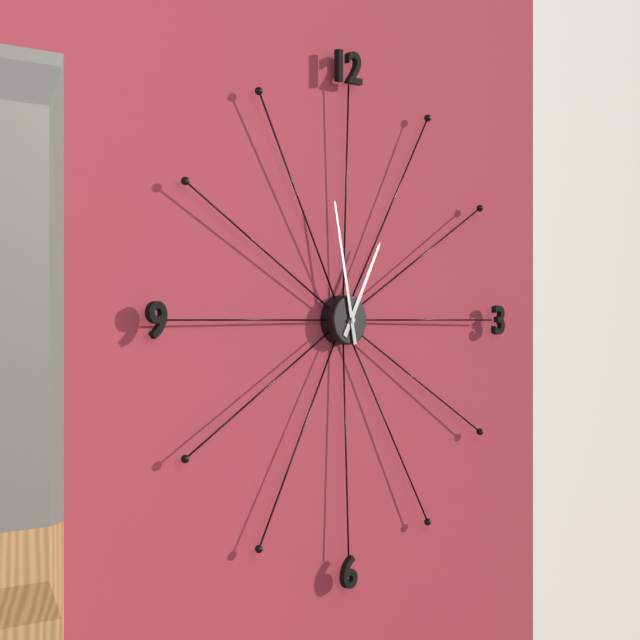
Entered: 12.58
